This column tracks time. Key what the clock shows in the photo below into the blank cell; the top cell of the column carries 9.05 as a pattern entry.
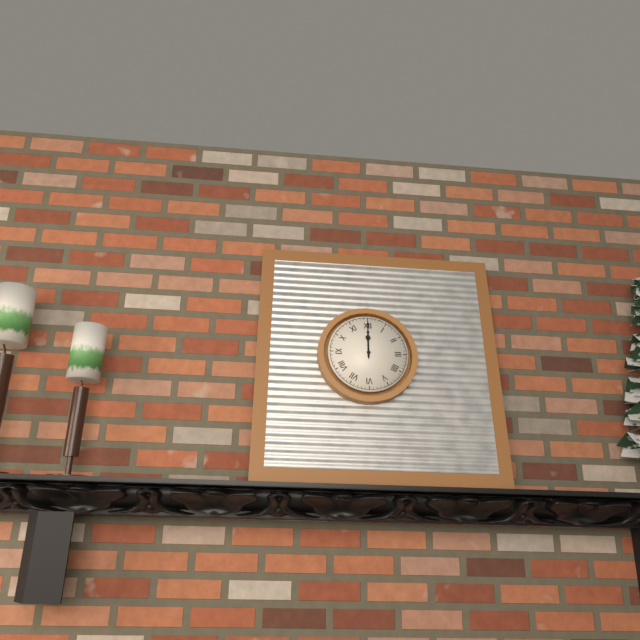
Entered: 12.00
